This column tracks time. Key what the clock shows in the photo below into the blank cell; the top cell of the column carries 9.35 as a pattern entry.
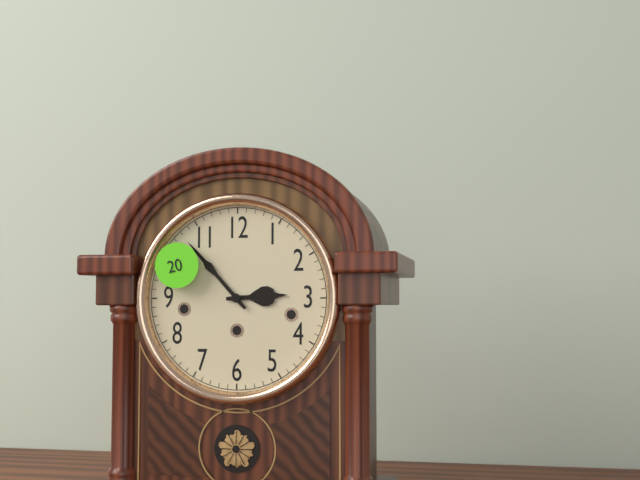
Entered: 2.53
